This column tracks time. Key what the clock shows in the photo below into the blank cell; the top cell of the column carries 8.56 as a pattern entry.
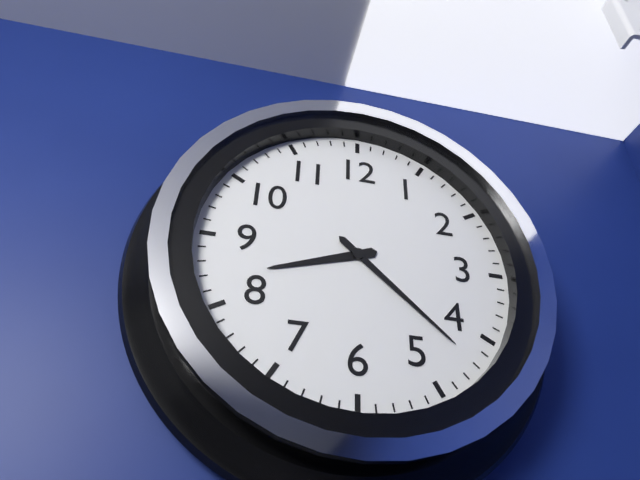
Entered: 8.22
